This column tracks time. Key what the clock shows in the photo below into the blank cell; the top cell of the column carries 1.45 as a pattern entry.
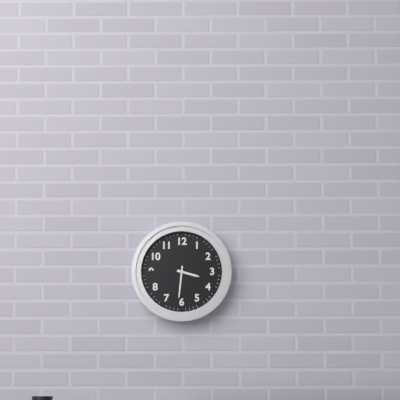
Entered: 3.31
